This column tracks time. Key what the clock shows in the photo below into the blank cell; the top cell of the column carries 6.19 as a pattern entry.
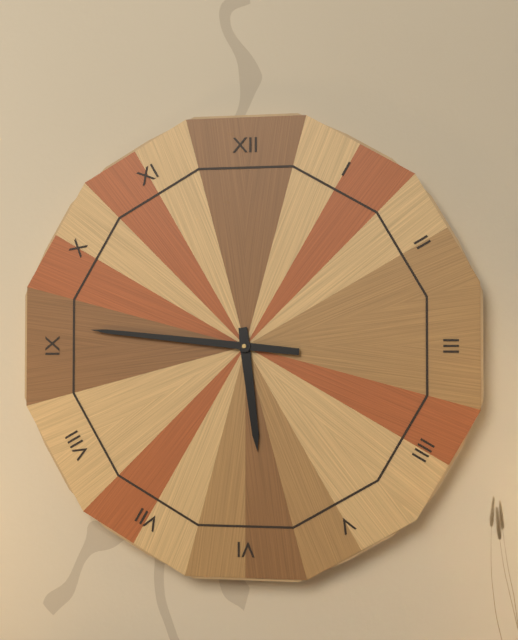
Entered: 5.46
